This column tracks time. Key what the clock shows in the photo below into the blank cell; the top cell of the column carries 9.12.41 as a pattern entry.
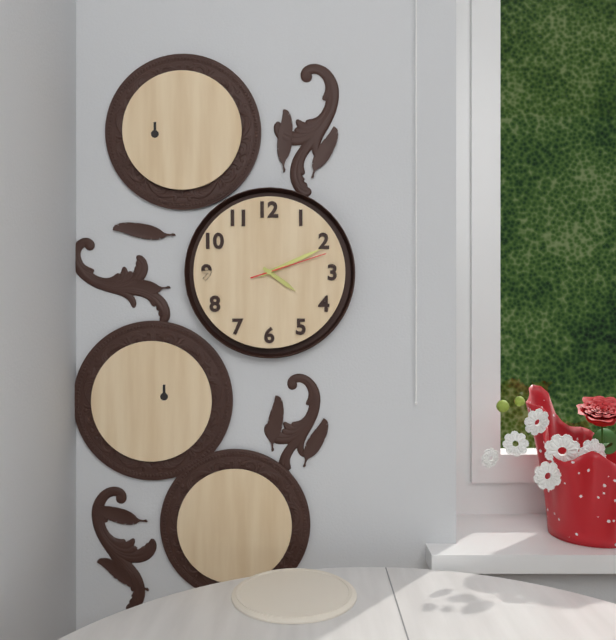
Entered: 4.11.12
